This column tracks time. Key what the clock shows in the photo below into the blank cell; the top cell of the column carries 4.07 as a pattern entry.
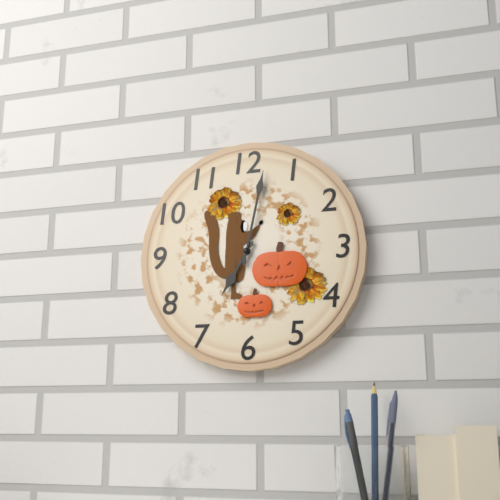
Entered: 7.02
